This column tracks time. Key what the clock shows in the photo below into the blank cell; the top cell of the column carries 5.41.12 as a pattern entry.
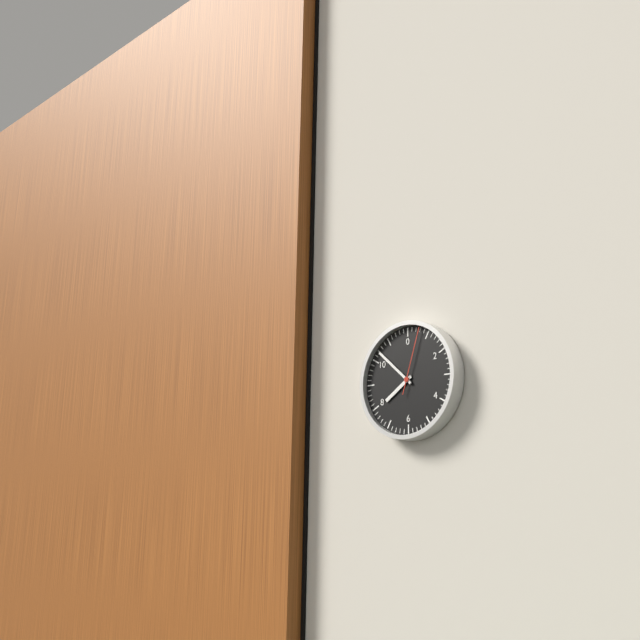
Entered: 7.52.03
